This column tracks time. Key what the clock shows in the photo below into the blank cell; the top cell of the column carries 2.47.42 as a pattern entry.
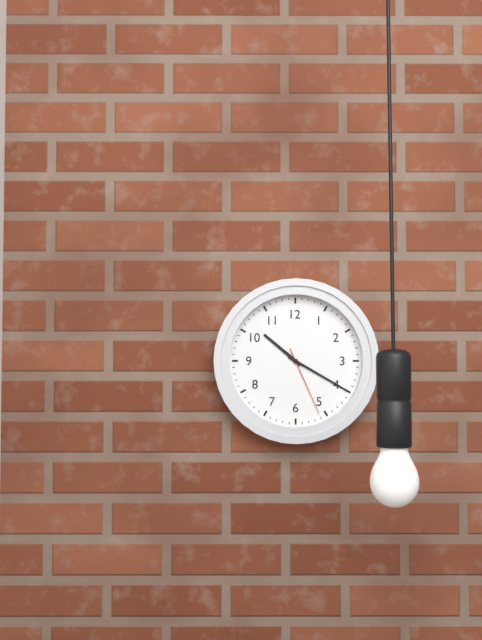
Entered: 10.20.26
